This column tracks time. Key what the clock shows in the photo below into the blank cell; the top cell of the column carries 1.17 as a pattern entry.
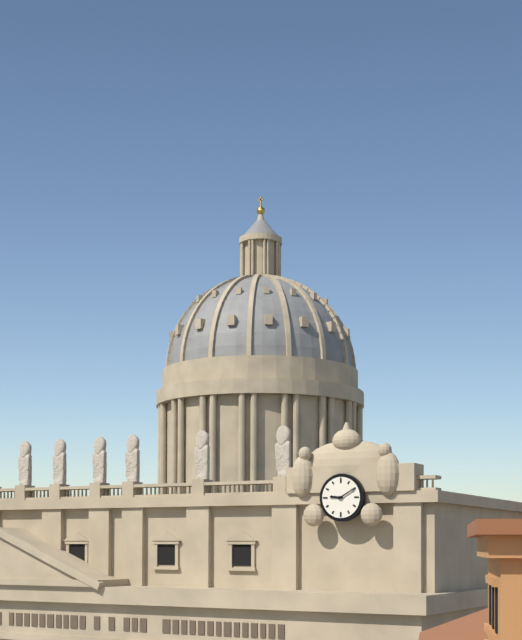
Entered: 9.10
